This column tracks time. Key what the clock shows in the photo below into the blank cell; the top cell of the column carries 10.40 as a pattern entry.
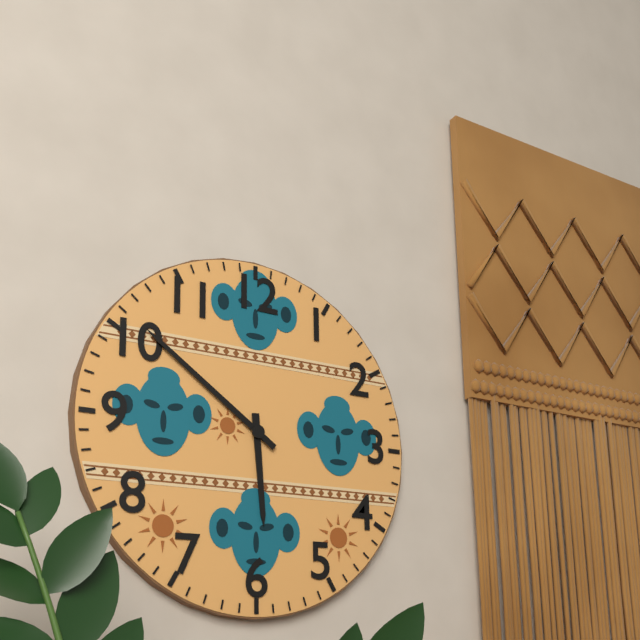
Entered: 5.51
